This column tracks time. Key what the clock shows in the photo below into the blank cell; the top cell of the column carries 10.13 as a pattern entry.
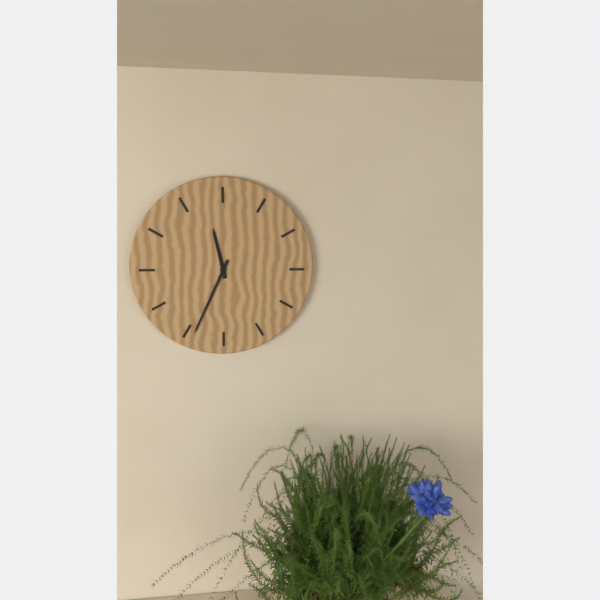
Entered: 11.34
